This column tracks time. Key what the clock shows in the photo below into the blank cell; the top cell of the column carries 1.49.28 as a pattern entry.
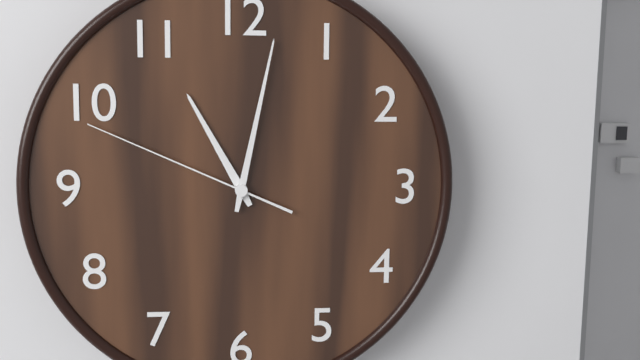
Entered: 11.02.49
